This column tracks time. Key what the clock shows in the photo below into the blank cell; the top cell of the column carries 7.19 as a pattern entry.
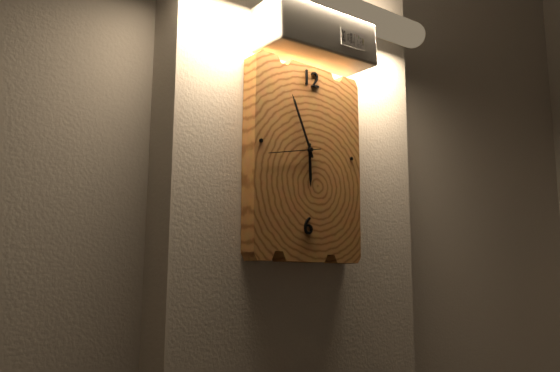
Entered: 5.56
